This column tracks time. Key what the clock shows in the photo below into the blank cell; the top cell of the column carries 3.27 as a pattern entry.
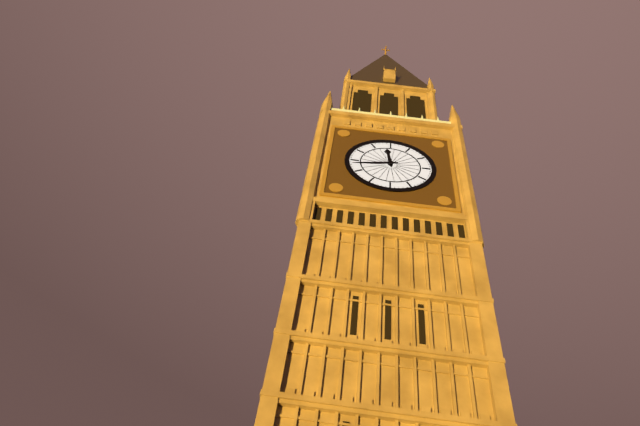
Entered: 11.43
